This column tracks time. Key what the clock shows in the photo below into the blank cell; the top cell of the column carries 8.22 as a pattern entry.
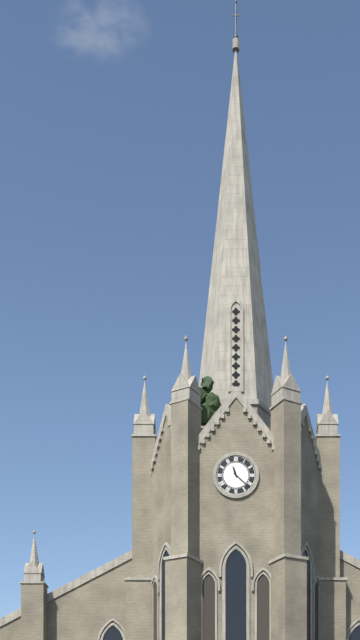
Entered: 11.22
